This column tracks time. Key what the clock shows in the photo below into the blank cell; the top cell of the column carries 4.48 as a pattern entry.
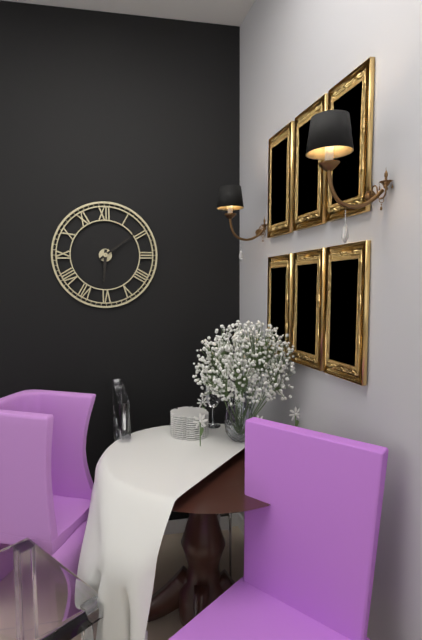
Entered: 6.09
